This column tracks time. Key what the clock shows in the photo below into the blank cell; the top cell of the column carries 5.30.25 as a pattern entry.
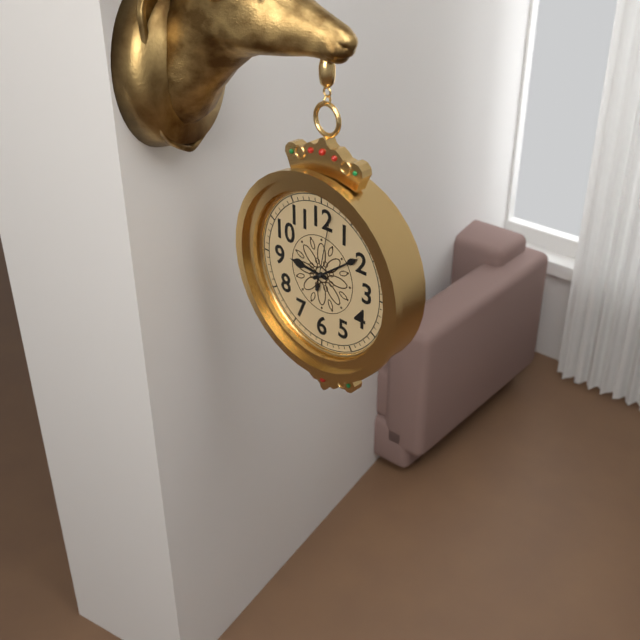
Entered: 9.09.02
